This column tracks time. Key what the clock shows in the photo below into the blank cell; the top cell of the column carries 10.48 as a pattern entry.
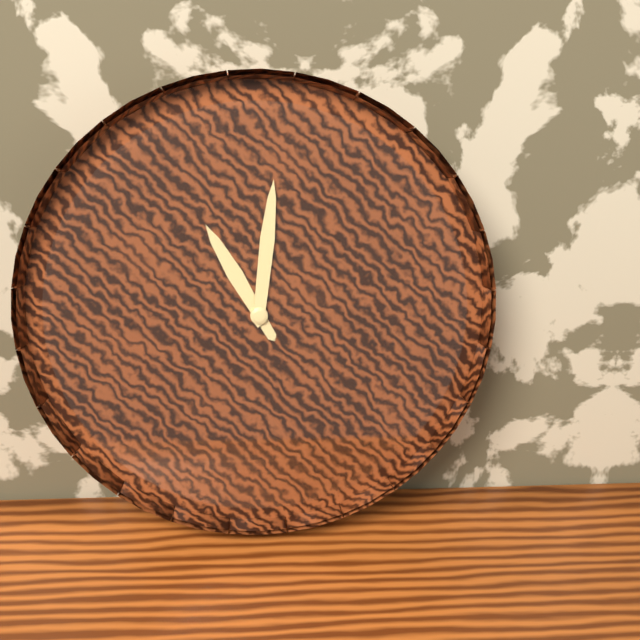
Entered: 11.01
